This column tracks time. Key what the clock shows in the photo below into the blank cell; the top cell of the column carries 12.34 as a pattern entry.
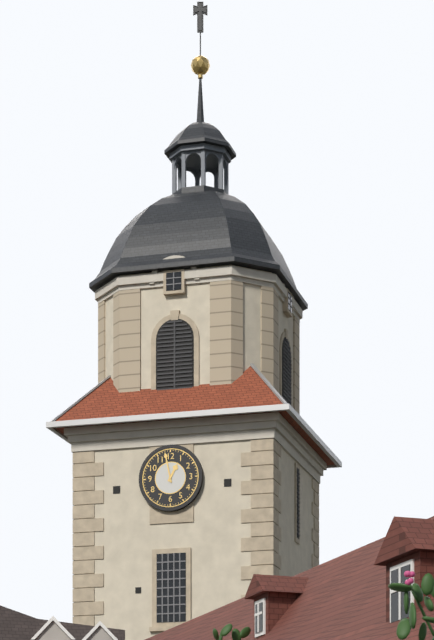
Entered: 12.58
